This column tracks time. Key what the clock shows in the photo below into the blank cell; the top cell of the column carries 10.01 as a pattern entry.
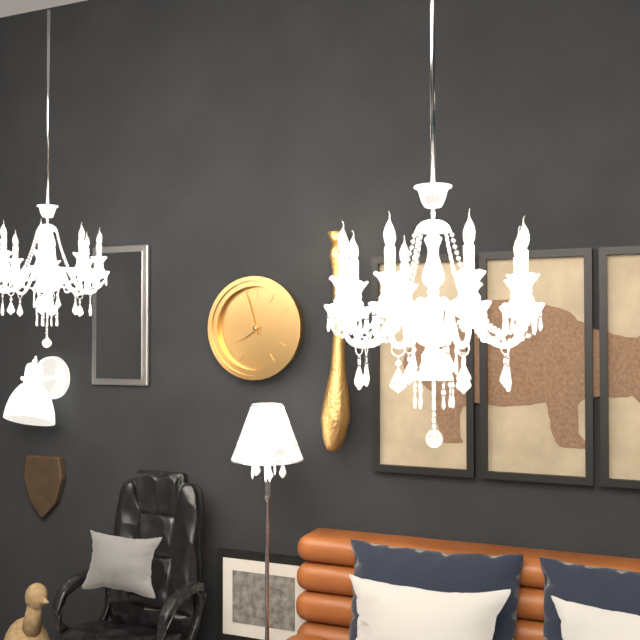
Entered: 7.57
